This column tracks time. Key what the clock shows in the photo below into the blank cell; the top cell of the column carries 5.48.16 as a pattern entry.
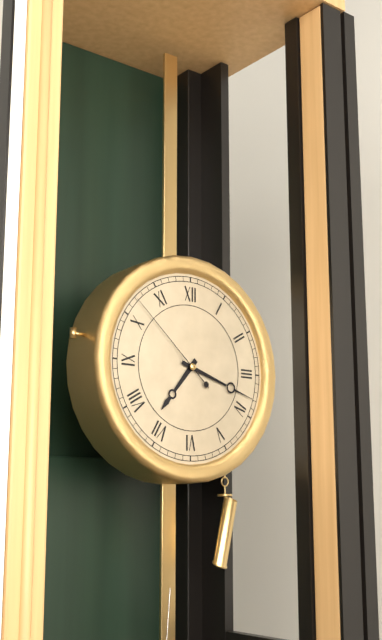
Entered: 7.18.52
